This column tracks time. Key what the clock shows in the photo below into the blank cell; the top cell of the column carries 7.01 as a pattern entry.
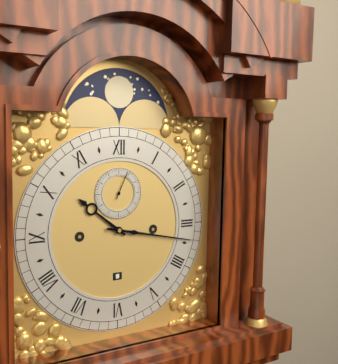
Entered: 10.17
